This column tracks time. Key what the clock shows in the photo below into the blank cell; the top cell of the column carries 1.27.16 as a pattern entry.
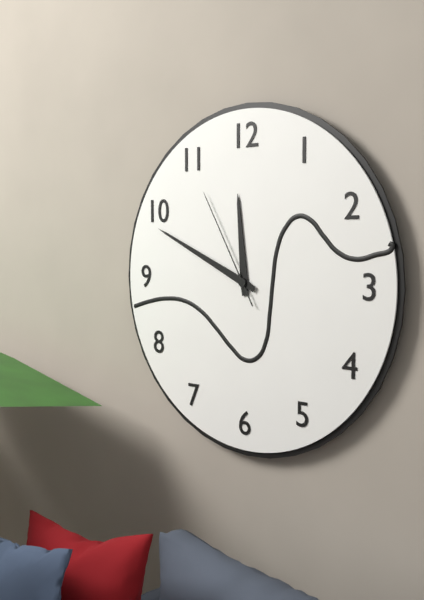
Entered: 11.49.55
